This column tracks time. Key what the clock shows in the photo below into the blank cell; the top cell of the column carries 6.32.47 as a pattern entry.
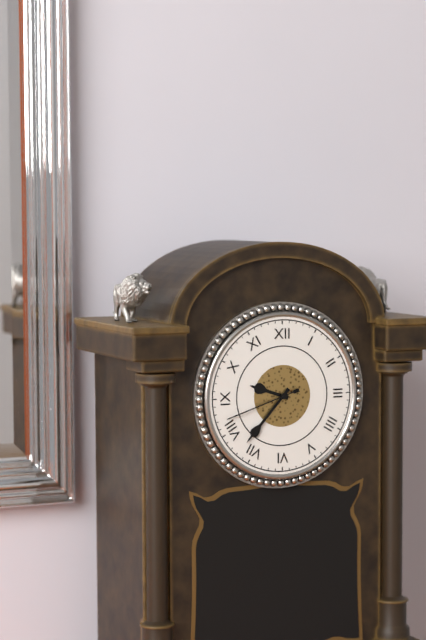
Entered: 9.37.42
